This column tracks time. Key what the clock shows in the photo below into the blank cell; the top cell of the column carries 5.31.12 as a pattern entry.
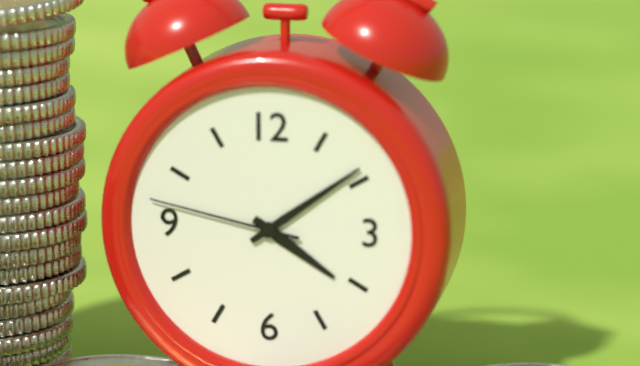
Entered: 4.09.47
